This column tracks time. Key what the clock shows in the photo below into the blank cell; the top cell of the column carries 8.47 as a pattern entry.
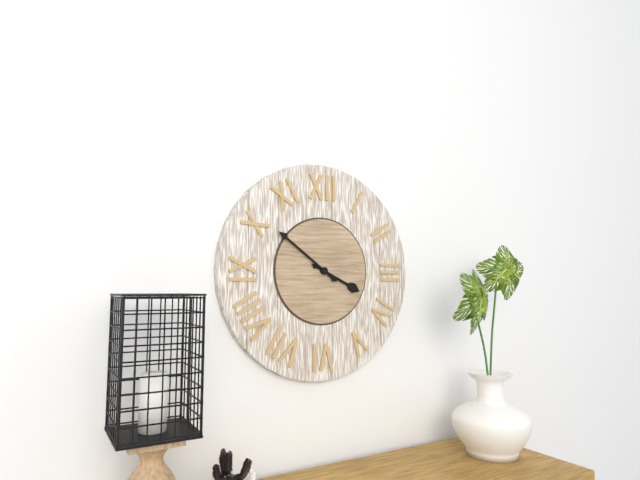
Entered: 3.51
